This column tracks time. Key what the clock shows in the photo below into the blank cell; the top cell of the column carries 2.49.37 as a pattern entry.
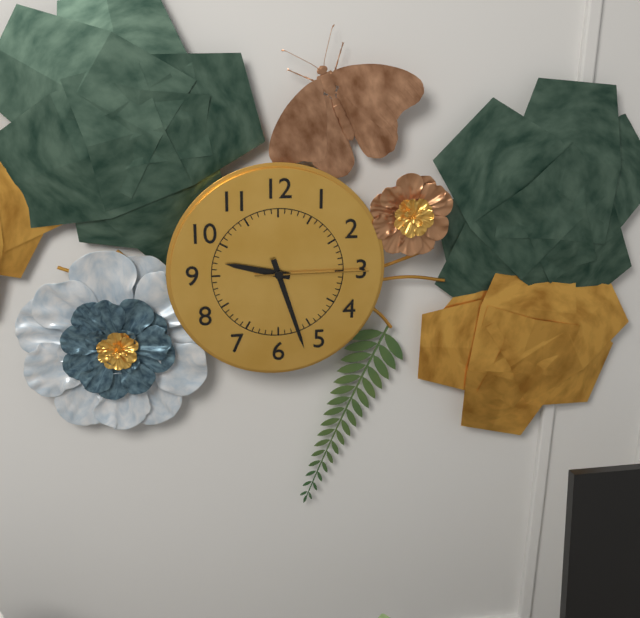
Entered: 9.27.15
